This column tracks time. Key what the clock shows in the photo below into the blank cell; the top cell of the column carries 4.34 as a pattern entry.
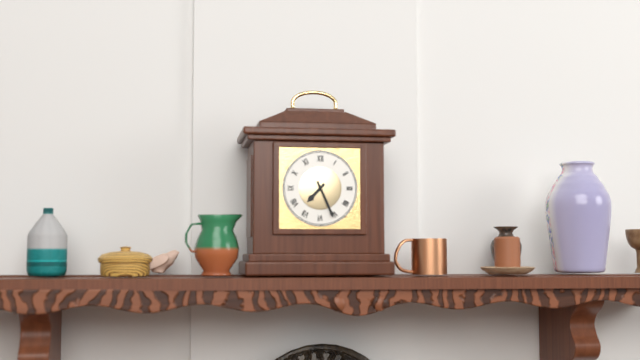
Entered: 7.26
